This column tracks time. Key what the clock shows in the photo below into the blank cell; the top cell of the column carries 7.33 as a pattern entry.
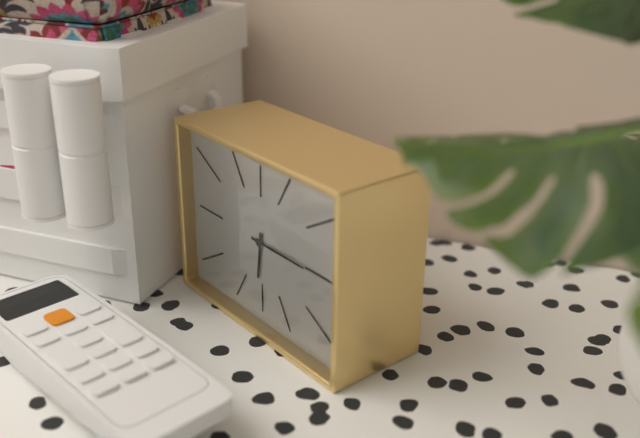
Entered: 6.15
